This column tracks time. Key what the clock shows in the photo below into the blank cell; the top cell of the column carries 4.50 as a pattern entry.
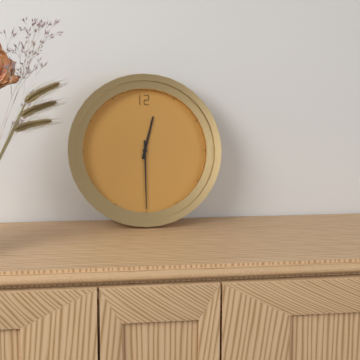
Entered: 12.30
